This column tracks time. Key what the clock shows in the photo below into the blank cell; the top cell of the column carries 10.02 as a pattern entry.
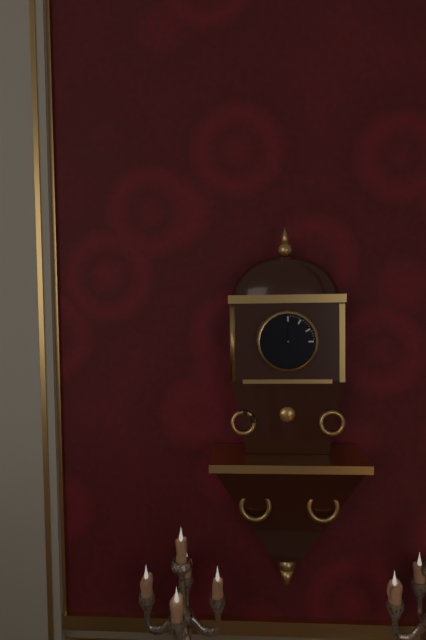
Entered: 10.01
